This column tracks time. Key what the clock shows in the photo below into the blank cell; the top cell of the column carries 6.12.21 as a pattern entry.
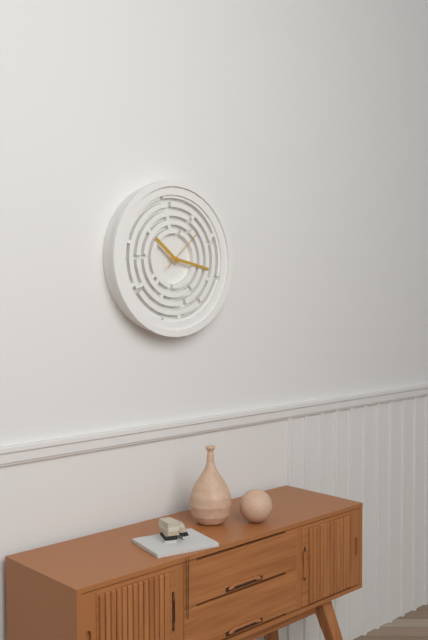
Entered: 10.17.08
